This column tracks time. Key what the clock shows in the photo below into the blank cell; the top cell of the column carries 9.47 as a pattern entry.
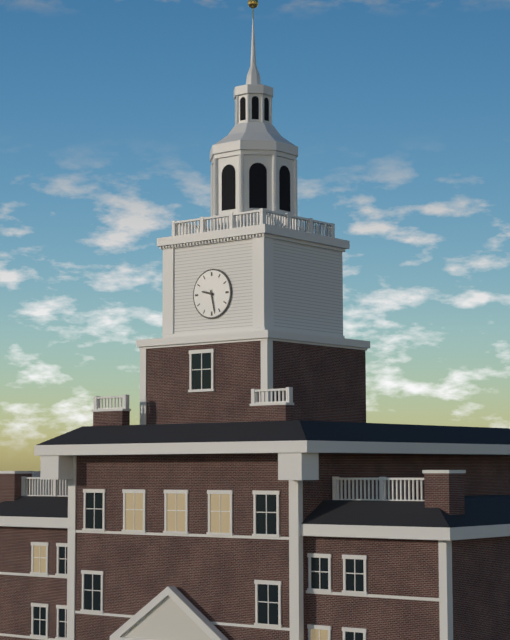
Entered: 9.28
